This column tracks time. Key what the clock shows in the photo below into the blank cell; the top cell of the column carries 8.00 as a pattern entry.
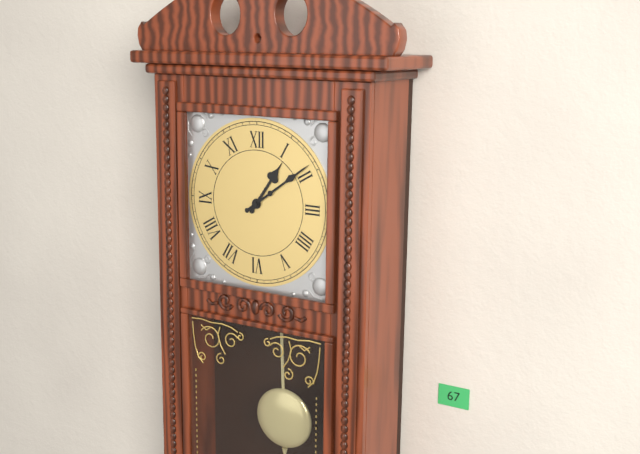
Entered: 1.09
